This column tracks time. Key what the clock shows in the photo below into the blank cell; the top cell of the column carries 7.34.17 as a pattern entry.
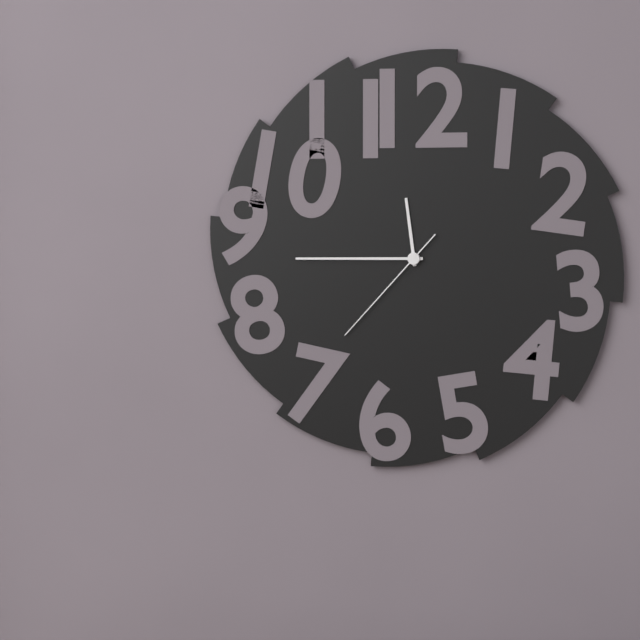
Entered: 11.45.37
